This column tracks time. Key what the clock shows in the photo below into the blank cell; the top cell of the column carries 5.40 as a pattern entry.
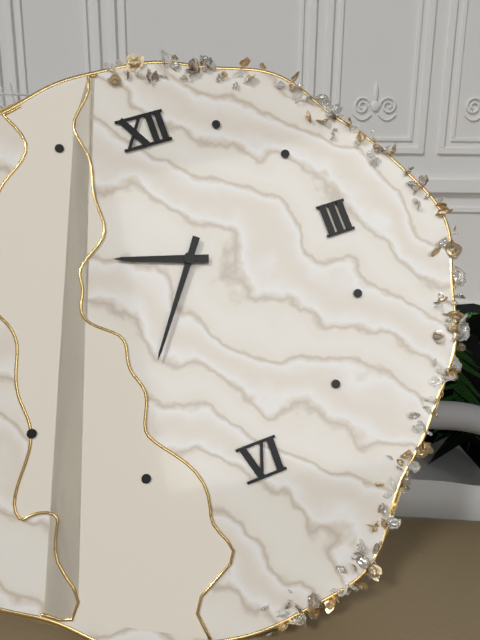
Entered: 9.36
